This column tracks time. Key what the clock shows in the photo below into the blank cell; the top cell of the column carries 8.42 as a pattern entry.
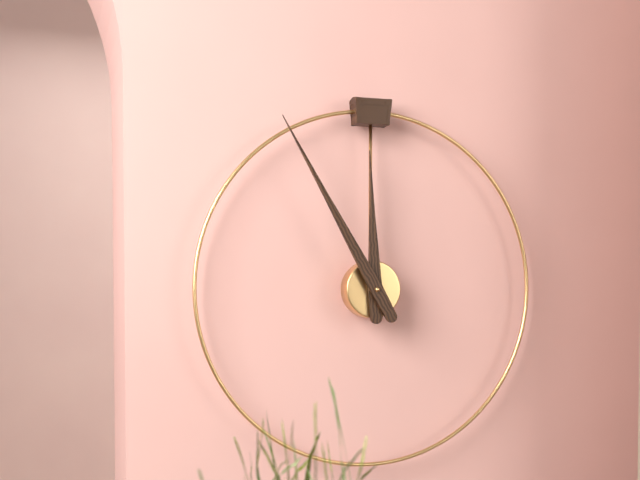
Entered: 11.55
